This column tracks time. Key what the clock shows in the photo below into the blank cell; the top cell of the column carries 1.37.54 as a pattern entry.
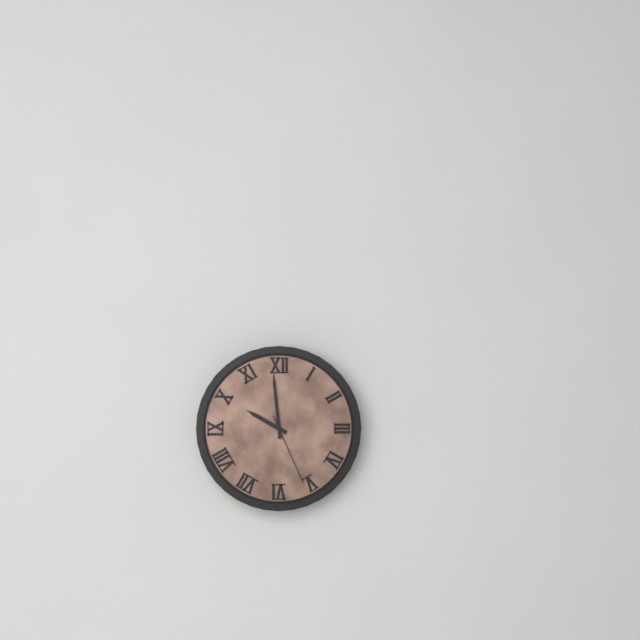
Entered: 9.59.26
